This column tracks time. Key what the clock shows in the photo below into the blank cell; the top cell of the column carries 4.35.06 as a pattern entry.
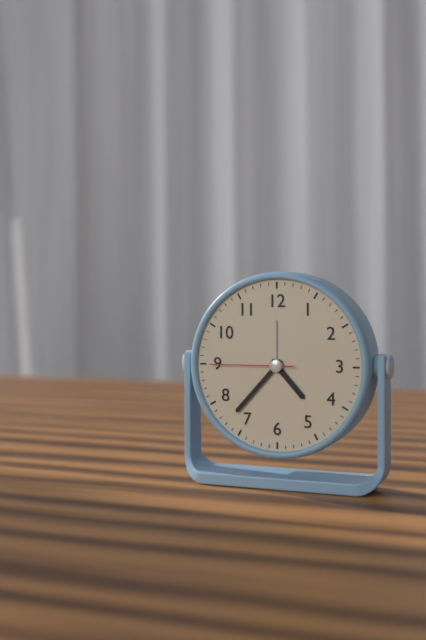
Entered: 4.37.45
